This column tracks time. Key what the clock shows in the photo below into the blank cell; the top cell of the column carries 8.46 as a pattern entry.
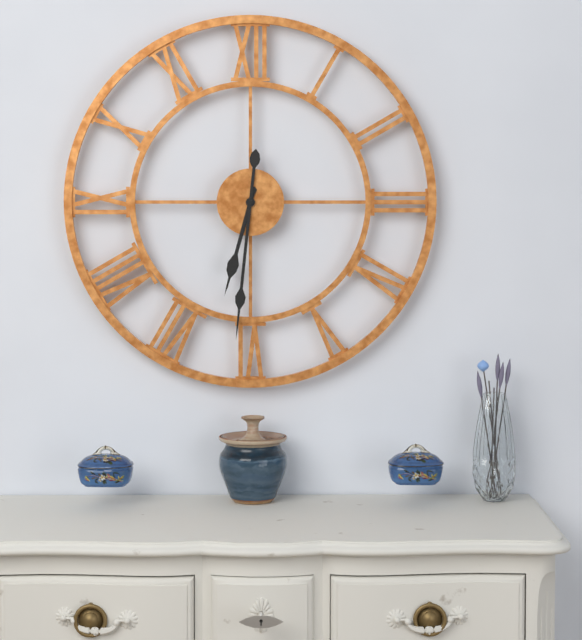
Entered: 6.31
